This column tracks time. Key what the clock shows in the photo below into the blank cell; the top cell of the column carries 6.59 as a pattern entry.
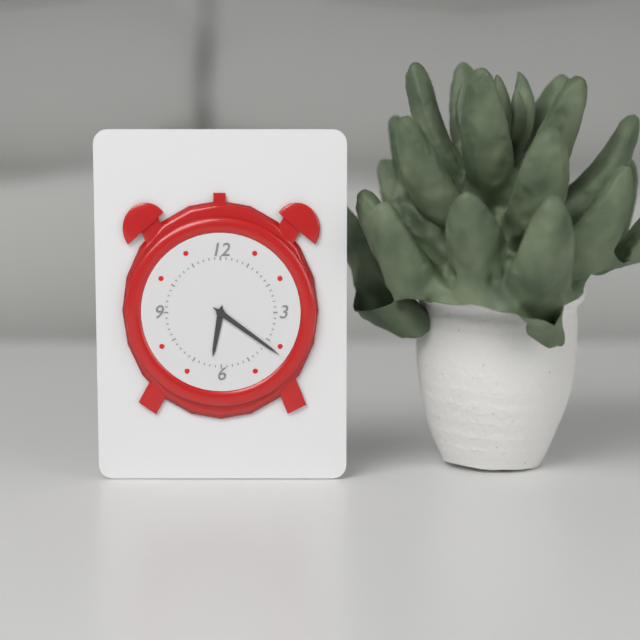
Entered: 6.21
